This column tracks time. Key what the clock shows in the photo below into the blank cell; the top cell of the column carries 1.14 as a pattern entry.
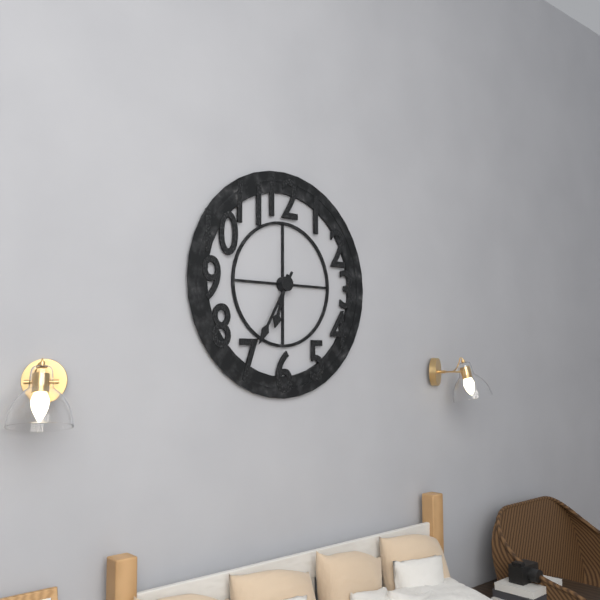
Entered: 6.35
